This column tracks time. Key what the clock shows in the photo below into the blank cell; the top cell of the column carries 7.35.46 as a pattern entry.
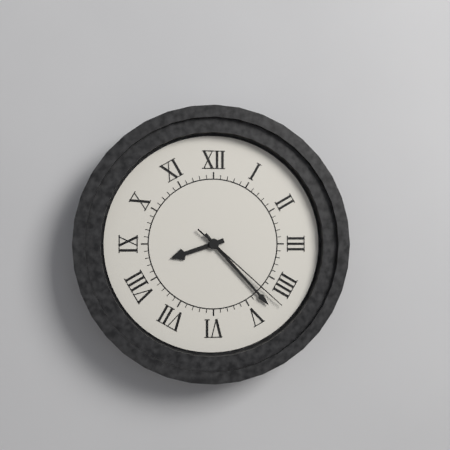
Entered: 8.23.22
